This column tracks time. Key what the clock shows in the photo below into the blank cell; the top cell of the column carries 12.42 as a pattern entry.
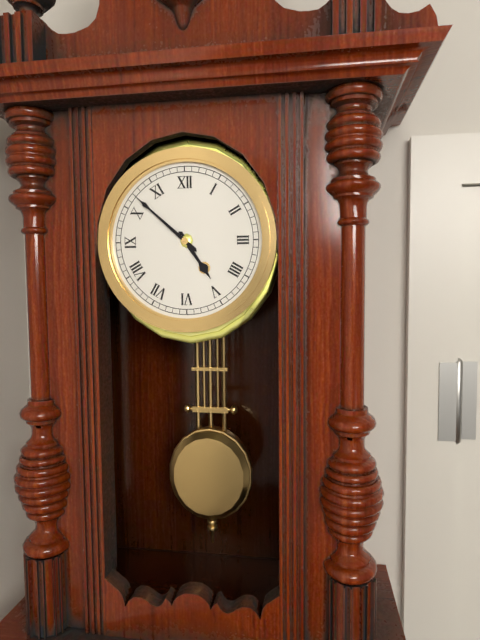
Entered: 4.52
